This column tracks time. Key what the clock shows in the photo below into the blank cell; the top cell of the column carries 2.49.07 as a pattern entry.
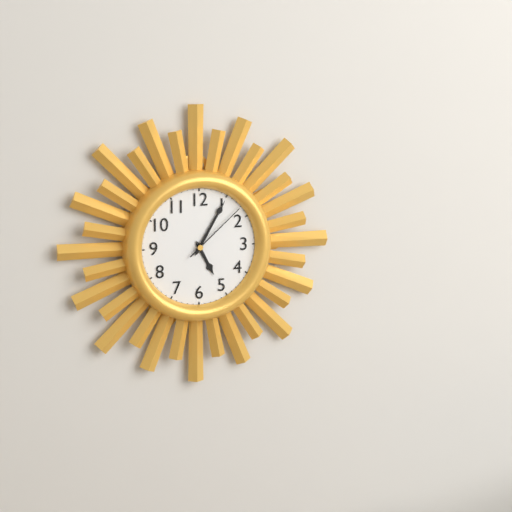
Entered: 5.05.08
